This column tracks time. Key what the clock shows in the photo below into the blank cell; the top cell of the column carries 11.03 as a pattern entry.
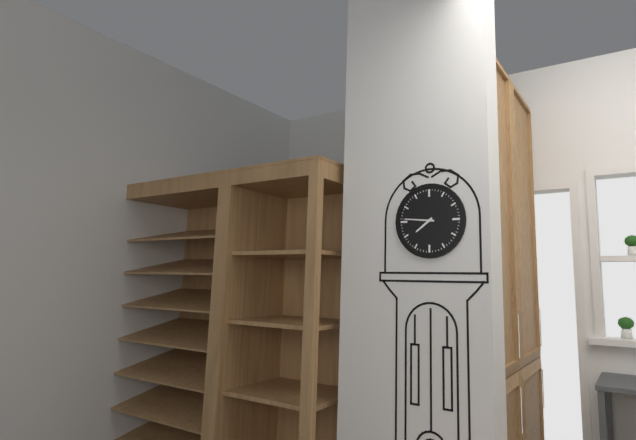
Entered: 7.46
